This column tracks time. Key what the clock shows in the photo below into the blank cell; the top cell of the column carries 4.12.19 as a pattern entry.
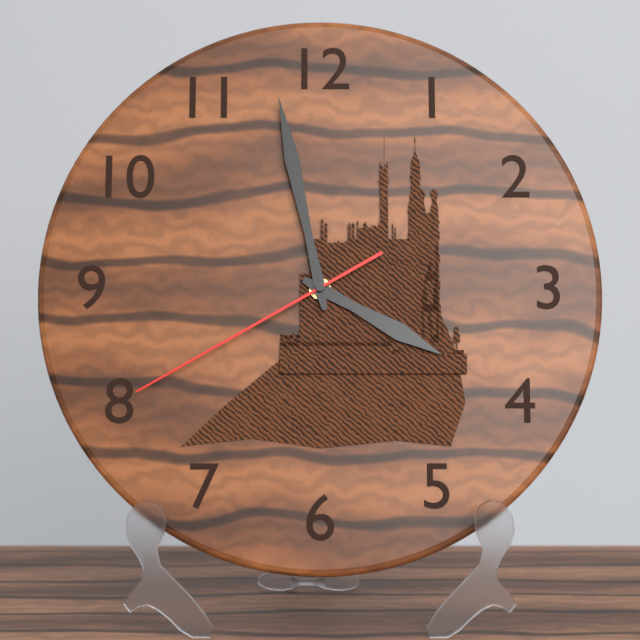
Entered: 3.58.40
